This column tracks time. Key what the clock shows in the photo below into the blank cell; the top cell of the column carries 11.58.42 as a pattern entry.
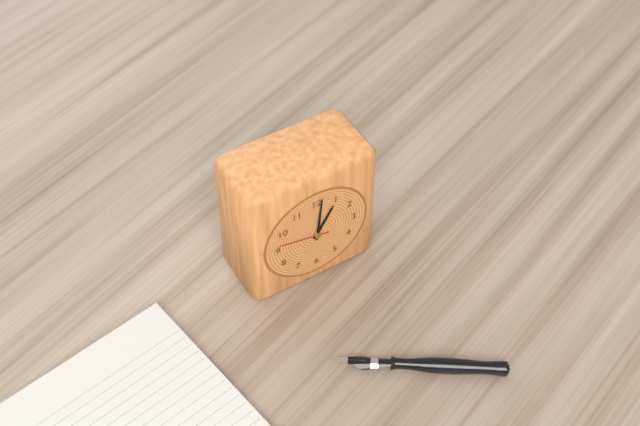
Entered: 1.01.47
